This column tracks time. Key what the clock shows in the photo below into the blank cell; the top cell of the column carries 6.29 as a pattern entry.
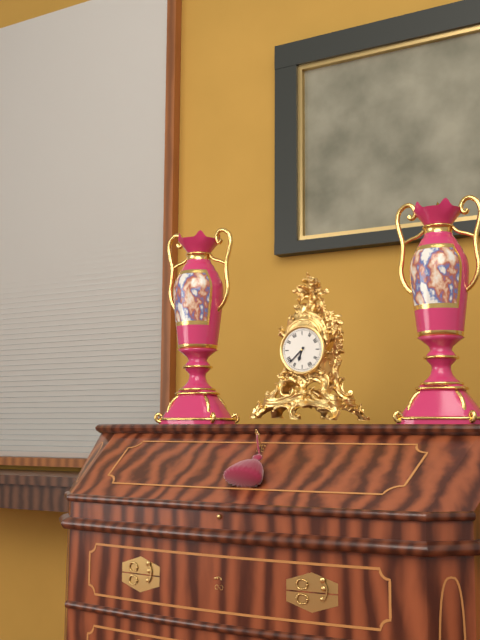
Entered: 6.38
